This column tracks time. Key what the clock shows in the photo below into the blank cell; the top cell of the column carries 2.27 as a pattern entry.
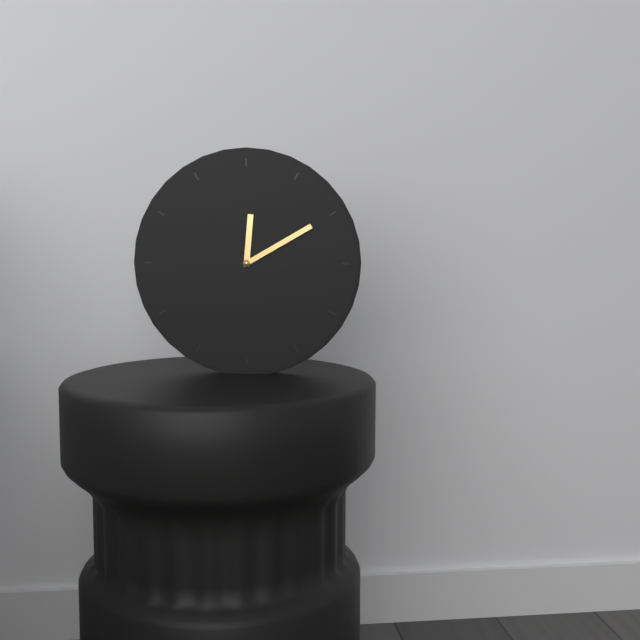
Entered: 12.10
